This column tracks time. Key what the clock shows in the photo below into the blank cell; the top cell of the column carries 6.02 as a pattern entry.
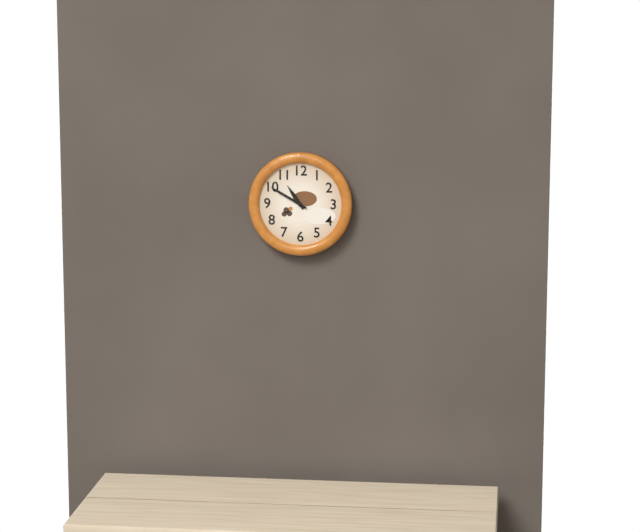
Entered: 10.50
